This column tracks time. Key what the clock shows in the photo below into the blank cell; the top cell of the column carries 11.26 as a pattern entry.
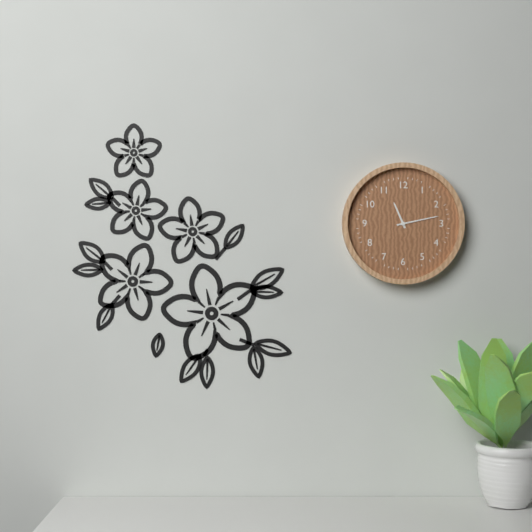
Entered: 11.13
